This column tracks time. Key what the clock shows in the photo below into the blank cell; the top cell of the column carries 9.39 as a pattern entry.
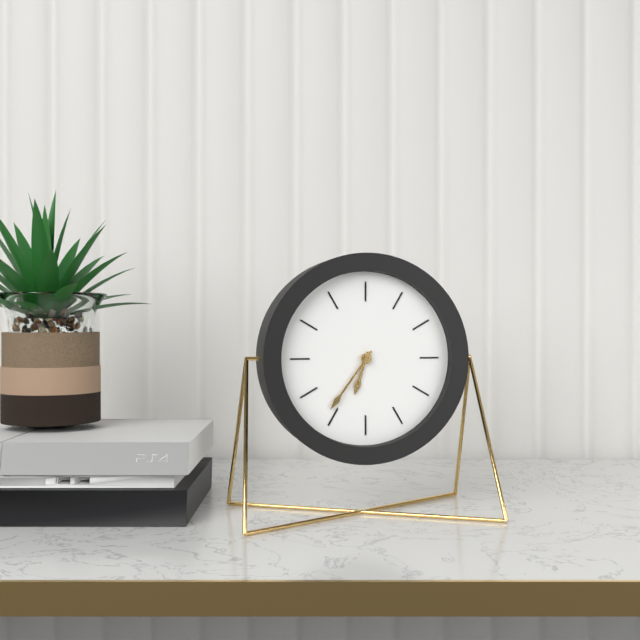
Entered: 6.36
